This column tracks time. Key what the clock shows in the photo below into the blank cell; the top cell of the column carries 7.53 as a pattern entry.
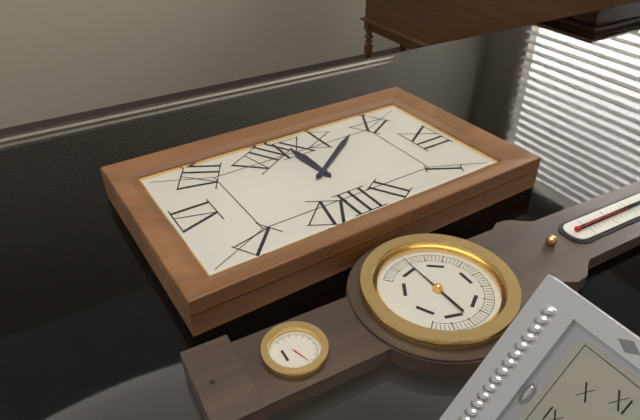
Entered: 8.54
